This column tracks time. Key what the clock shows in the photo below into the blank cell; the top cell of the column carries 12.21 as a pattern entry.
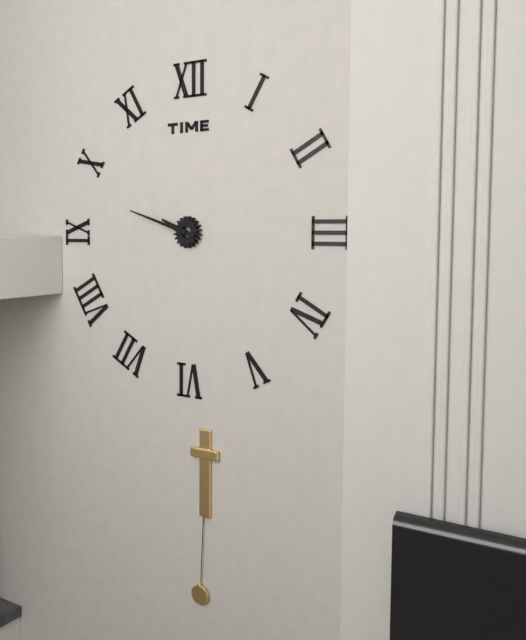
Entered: 9.48
